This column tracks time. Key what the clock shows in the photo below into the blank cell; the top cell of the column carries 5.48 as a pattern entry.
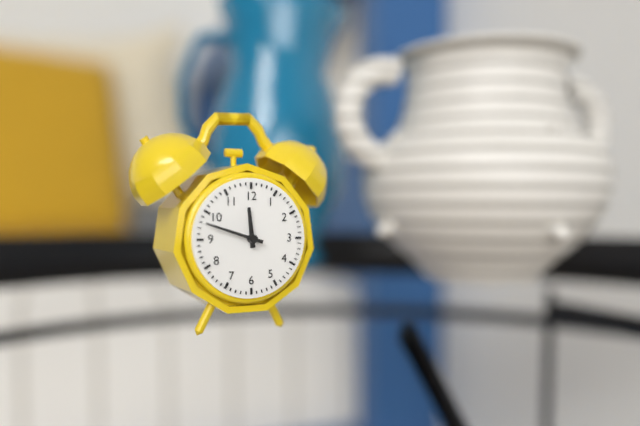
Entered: 11.48
